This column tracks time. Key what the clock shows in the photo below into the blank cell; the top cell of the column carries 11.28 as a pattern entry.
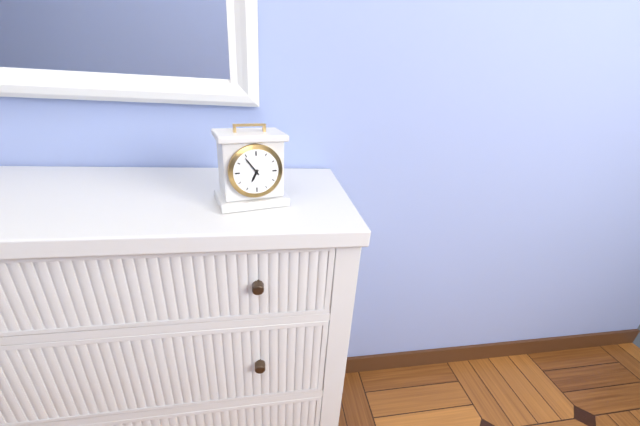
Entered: 6.54
